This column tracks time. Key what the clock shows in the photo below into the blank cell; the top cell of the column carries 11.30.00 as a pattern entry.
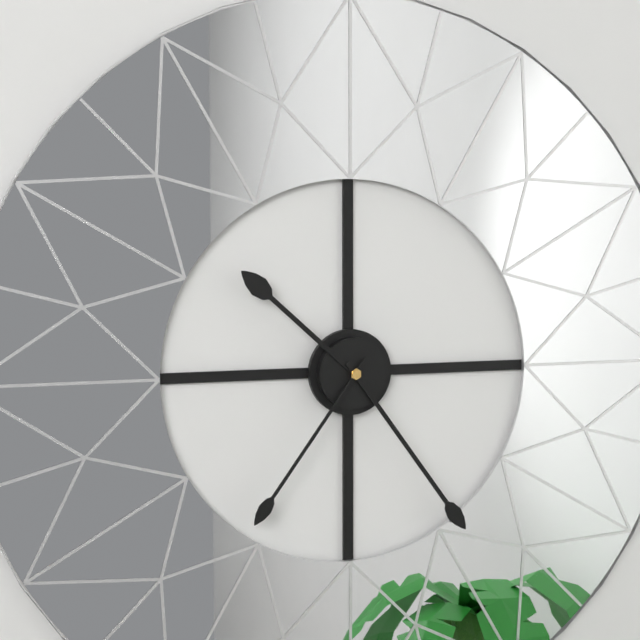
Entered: 10.24.36
